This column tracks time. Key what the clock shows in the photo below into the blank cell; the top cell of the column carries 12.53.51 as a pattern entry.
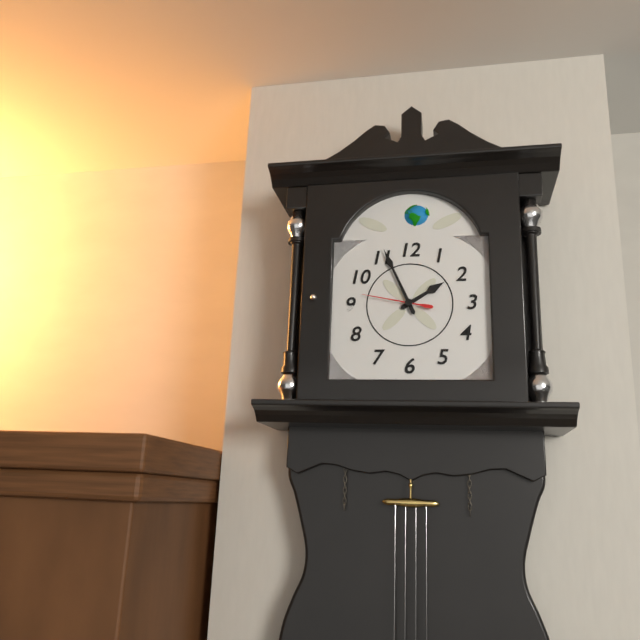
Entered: 1.56.47
